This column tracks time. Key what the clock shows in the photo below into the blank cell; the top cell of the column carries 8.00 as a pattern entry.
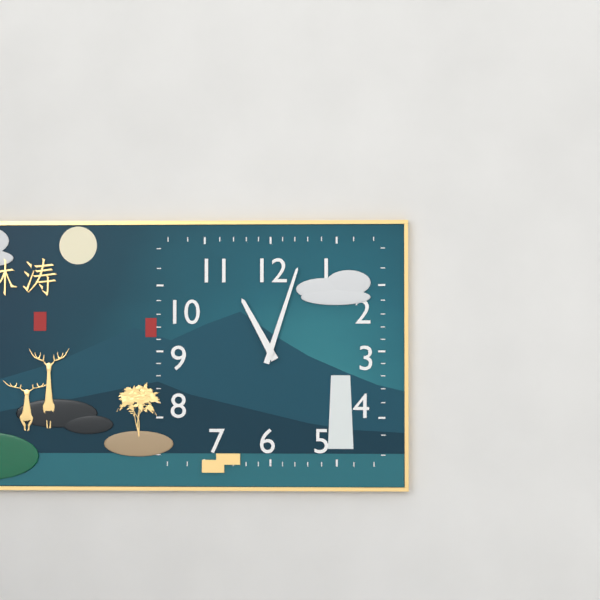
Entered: 11.03
